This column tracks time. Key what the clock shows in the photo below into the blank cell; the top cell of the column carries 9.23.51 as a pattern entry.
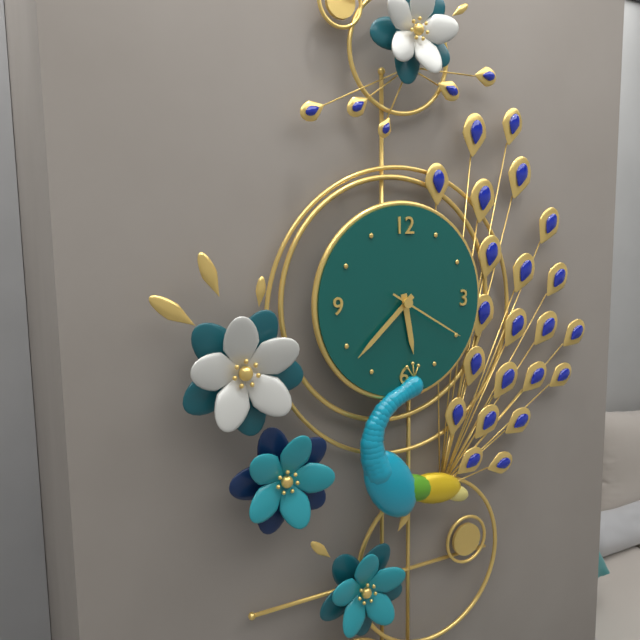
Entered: 5.38.20
